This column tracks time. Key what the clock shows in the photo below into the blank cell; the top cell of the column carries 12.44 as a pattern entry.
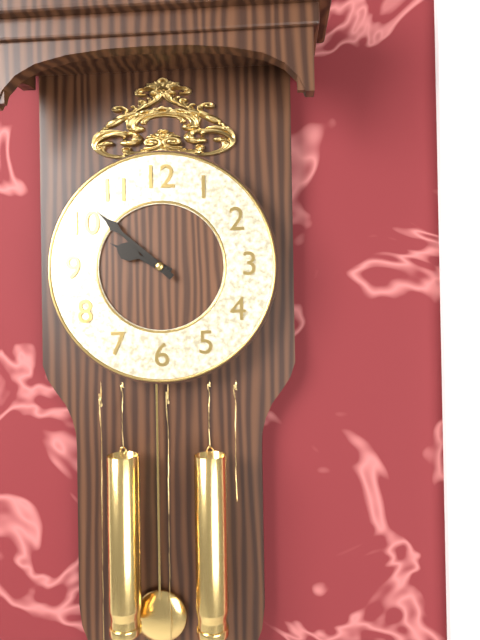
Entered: 9.52
